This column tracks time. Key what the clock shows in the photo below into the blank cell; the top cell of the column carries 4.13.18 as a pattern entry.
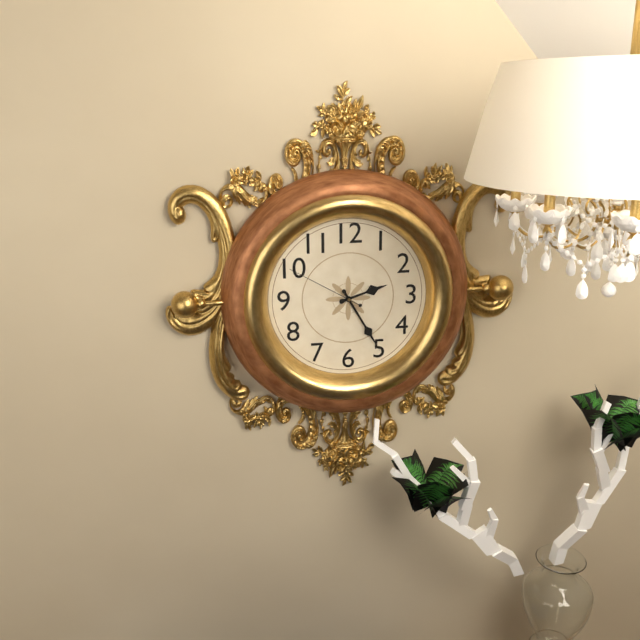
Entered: 2.25.50
